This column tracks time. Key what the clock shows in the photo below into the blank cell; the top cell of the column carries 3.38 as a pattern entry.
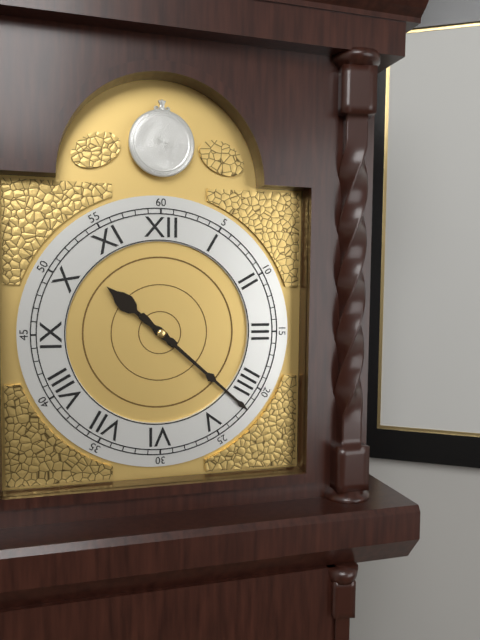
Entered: 10.22
